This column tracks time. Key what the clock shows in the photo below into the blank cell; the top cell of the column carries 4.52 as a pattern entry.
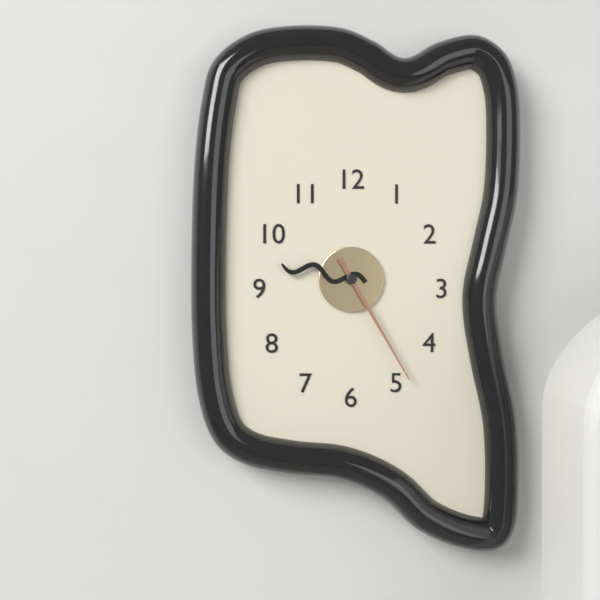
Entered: 9.25
